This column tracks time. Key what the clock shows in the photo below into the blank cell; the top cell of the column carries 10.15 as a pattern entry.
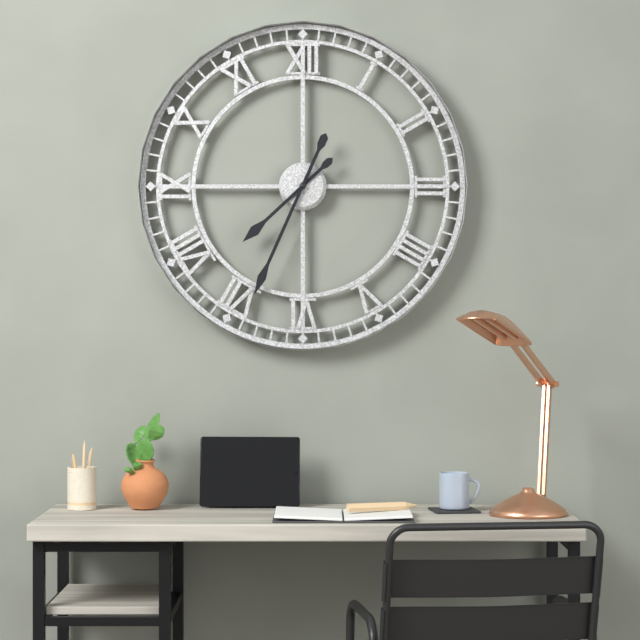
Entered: 7.34
